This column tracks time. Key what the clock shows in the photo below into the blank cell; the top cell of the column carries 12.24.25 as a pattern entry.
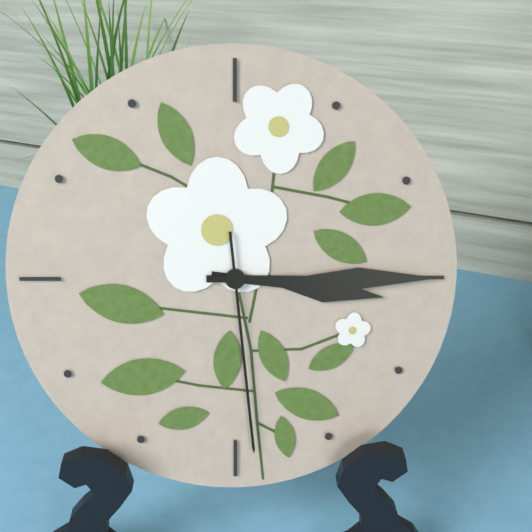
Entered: 3.15.29
